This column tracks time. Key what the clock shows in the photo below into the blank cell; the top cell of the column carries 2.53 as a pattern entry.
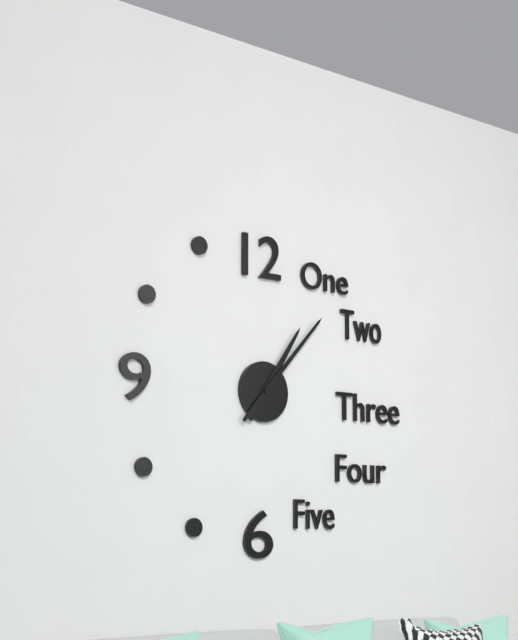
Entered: 1.07
